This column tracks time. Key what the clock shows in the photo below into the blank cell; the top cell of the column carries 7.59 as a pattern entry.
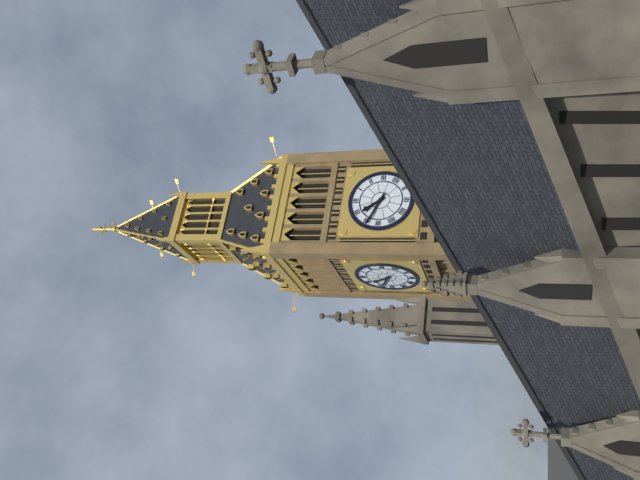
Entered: 10.49
